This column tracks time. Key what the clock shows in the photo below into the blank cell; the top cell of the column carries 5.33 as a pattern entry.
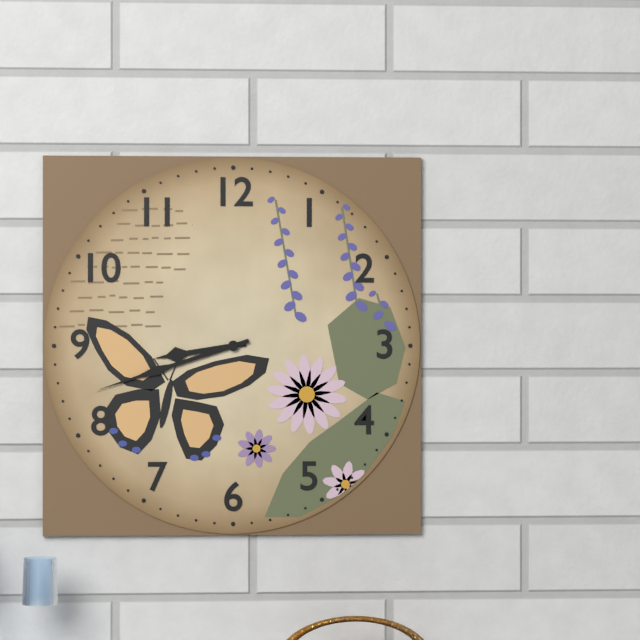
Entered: 8.42
